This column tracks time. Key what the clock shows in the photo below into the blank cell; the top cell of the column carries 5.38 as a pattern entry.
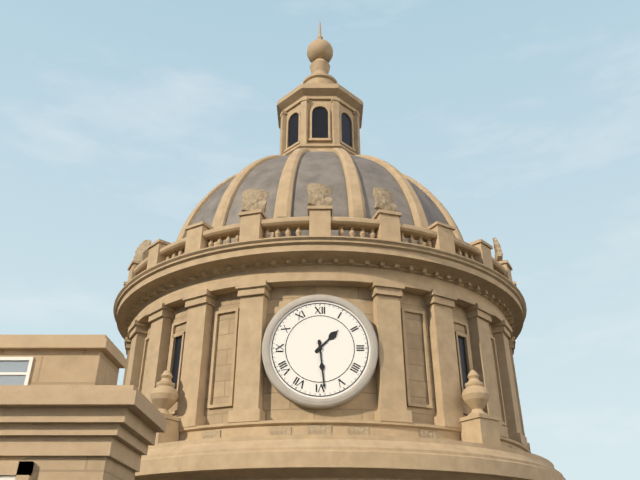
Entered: 1.29
